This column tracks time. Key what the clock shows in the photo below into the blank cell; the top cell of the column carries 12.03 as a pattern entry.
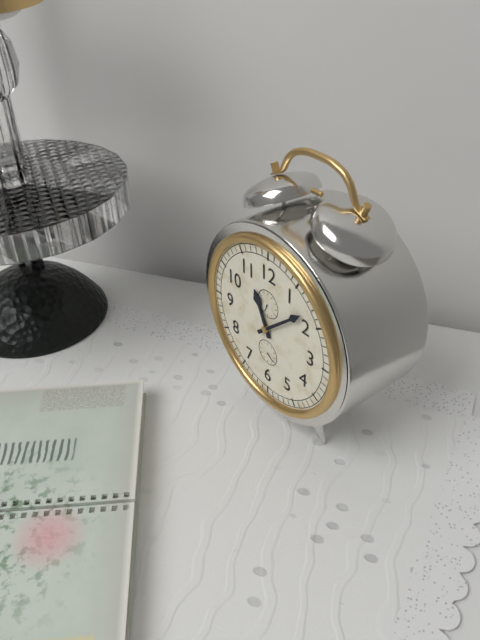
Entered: 11.08
